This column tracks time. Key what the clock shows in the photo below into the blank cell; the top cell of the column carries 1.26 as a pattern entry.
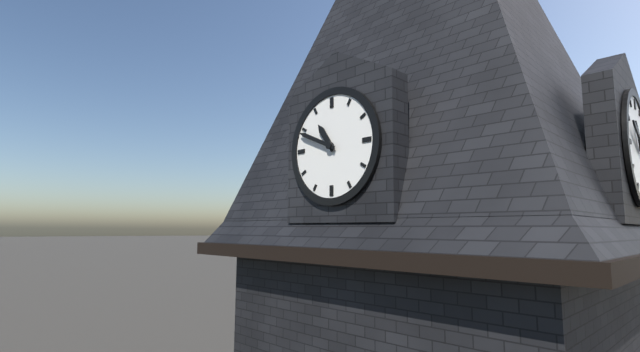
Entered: 10.49
